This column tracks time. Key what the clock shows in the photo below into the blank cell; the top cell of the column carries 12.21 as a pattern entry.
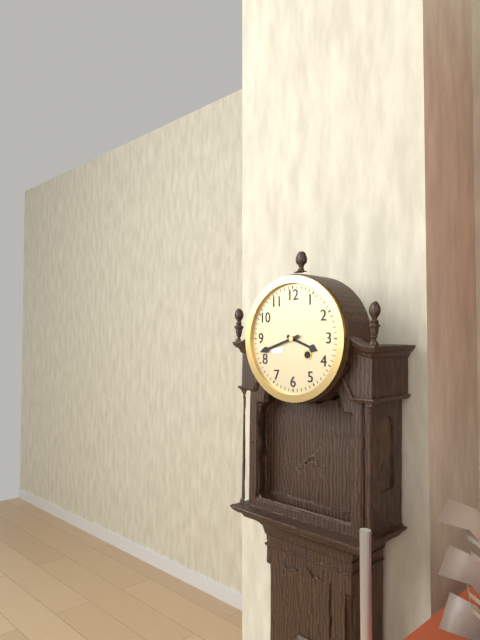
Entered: 3.42
